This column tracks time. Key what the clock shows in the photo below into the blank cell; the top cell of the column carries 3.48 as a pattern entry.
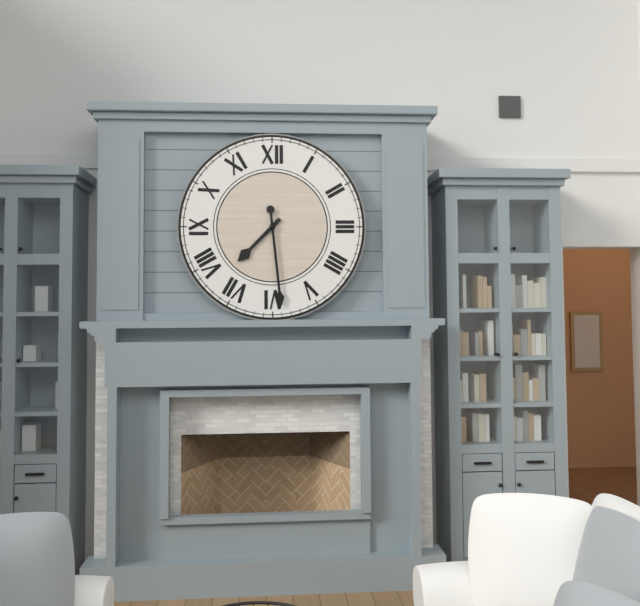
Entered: 7.29
